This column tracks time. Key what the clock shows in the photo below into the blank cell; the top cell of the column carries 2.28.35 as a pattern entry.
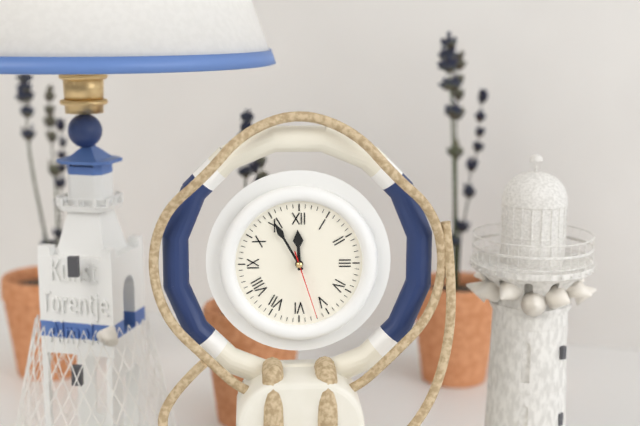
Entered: 11.55.27
